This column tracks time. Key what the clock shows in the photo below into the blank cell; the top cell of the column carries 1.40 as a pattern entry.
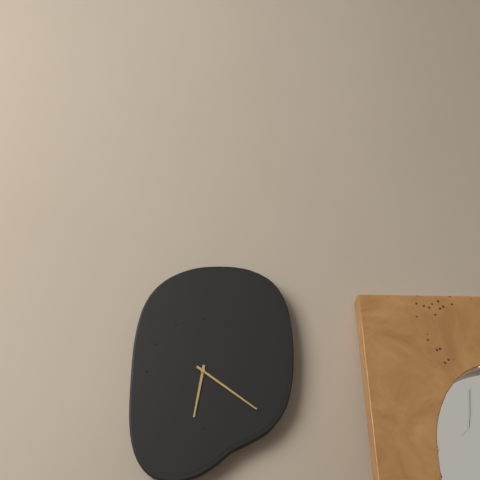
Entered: 6.21
